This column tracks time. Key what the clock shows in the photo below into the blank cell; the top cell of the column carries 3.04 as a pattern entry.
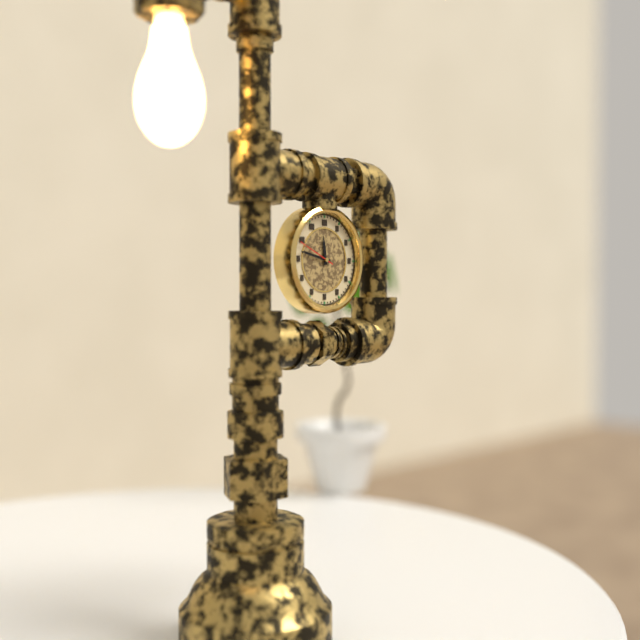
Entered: 11.47
